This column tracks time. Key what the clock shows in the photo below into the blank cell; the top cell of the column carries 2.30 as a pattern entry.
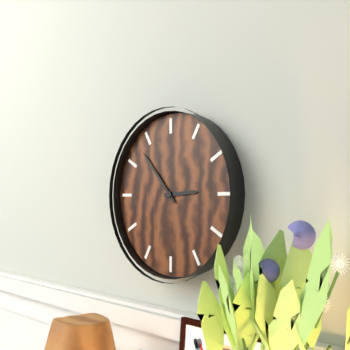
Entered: 2.53
